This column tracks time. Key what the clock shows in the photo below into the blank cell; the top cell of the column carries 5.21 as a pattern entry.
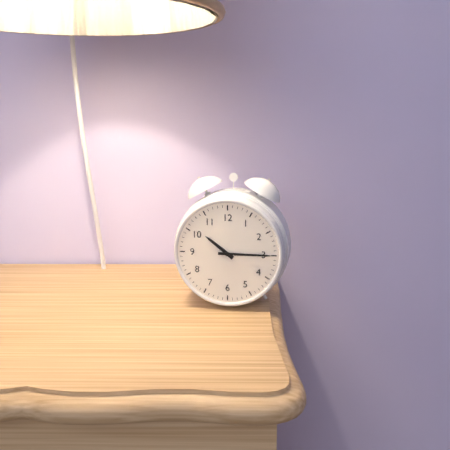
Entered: 10.15
